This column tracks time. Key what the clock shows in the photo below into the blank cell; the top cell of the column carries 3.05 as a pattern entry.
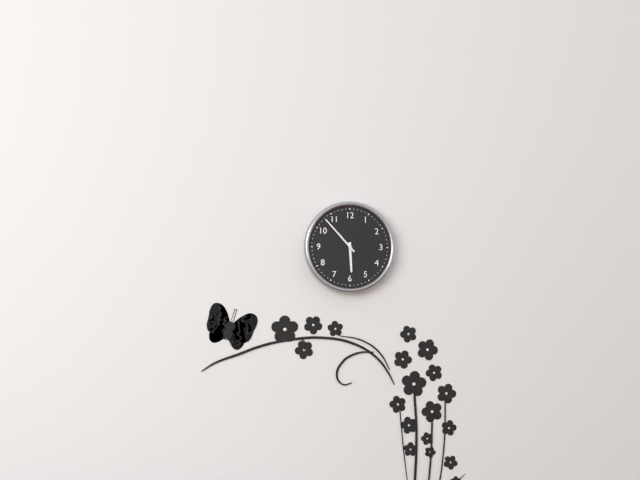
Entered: 5.53
